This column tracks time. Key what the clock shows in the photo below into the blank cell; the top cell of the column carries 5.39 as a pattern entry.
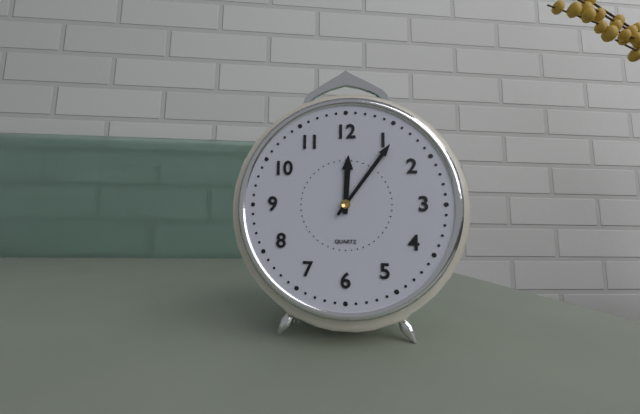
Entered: 12.06
